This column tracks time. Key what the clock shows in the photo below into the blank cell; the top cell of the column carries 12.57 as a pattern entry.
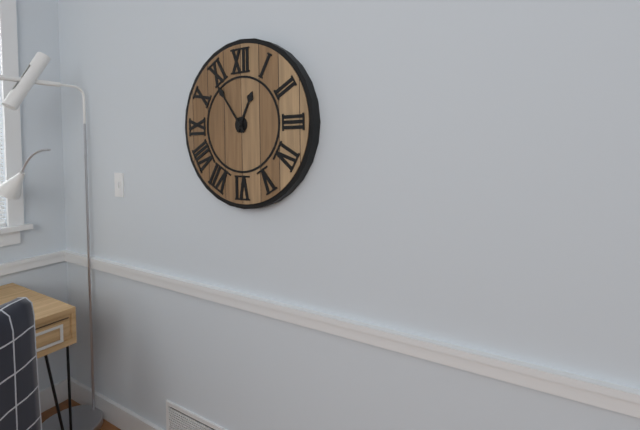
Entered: 12.54
